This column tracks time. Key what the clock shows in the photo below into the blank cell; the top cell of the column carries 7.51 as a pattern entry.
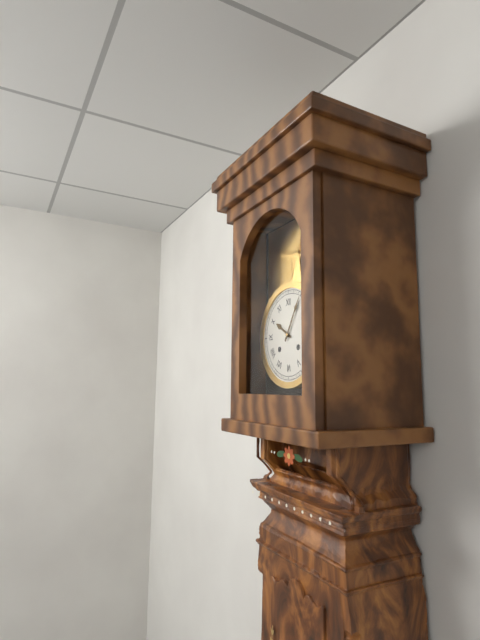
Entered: 10.05
